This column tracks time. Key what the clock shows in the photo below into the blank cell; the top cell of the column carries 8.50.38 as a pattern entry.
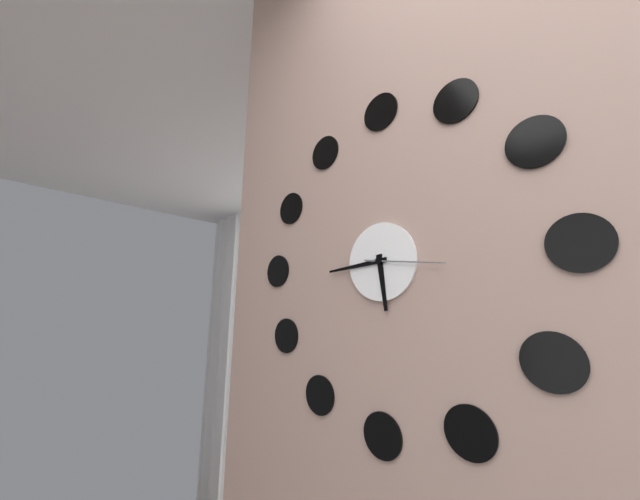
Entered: 5.44.16
